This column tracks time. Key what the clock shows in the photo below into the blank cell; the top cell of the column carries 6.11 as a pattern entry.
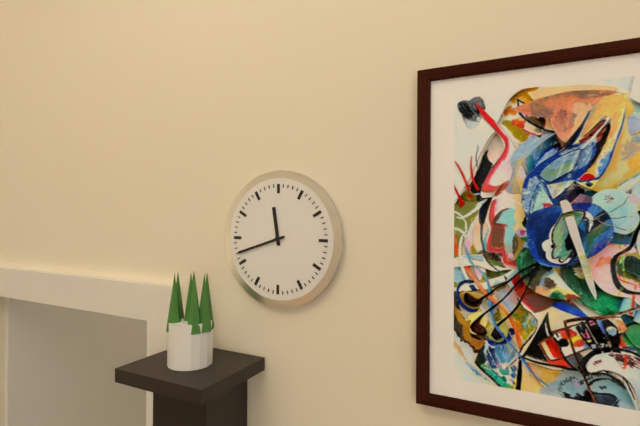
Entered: 11.42
